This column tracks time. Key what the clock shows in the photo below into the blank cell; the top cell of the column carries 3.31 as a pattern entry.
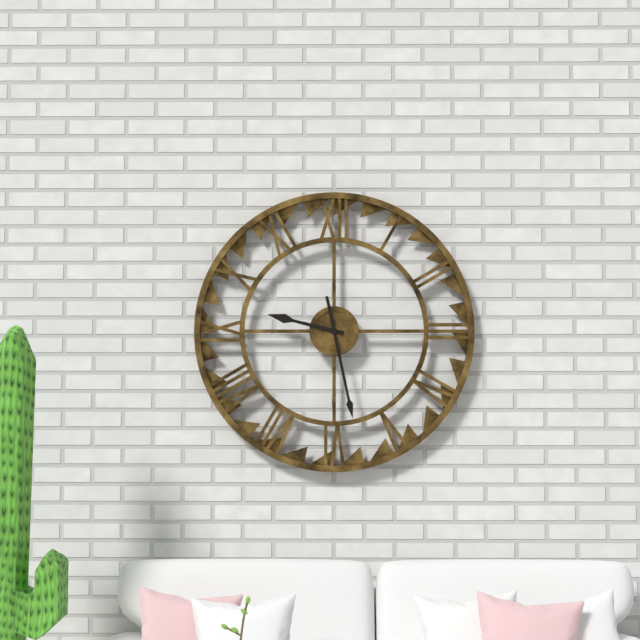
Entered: 9.28
